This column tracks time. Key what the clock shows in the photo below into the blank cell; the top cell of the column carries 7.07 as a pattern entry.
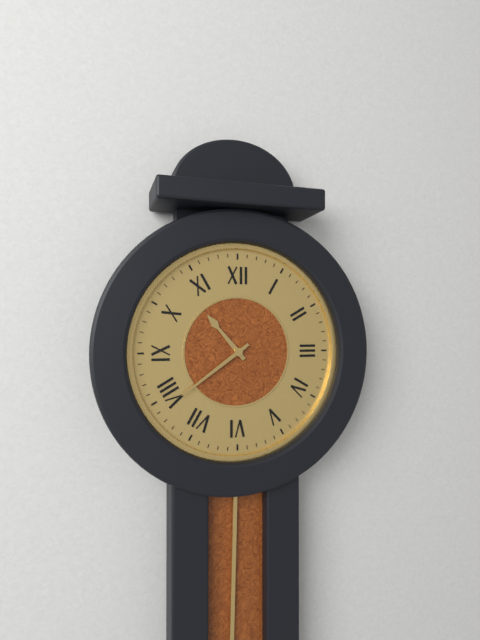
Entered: 10.39
